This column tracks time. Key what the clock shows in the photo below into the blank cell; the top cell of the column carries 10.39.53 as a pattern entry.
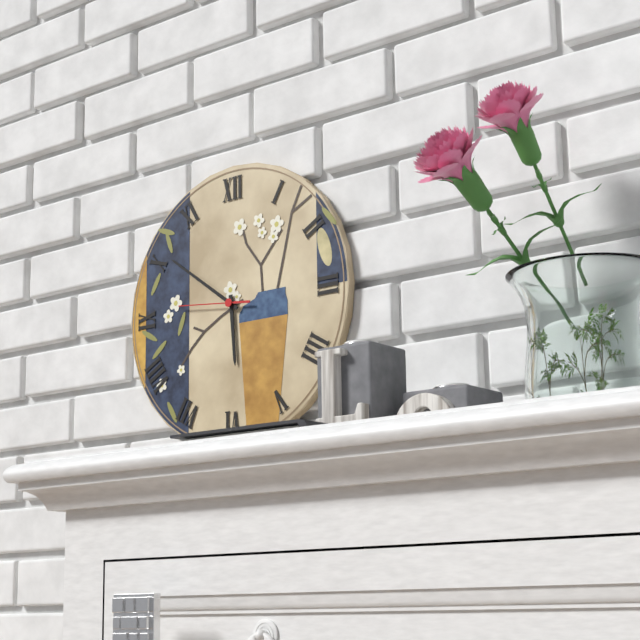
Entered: 5.51.46
